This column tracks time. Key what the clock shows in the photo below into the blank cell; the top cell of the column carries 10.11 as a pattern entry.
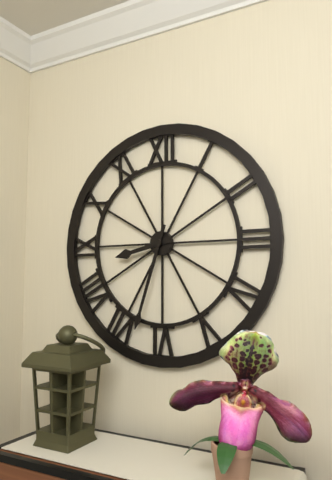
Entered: 8.33
